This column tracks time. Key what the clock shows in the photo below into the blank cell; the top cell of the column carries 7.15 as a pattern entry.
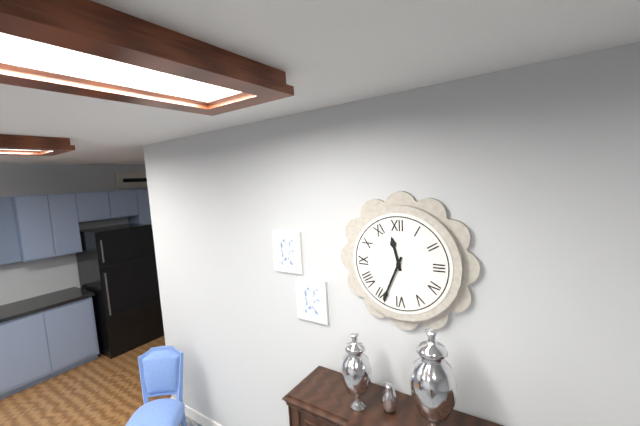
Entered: 11.34
